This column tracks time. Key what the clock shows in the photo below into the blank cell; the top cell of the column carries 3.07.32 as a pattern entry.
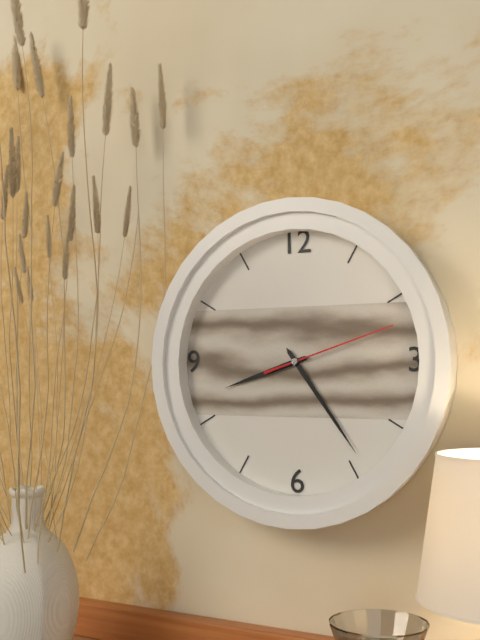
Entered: 8.24.12
